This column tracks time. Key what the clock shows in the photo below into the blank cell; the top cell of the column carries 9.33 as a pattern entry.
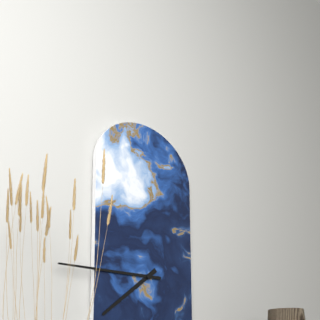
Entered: 7.45
